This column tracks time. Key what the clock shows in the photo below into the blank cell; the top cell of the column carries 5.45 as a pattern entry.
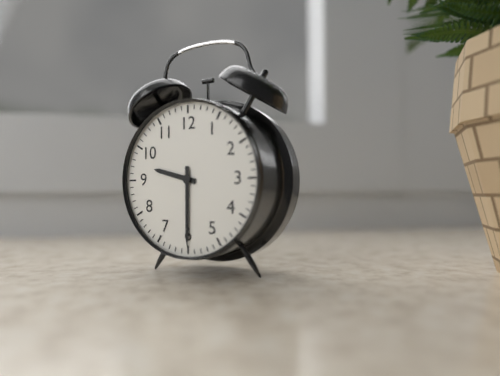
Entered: 9.30
